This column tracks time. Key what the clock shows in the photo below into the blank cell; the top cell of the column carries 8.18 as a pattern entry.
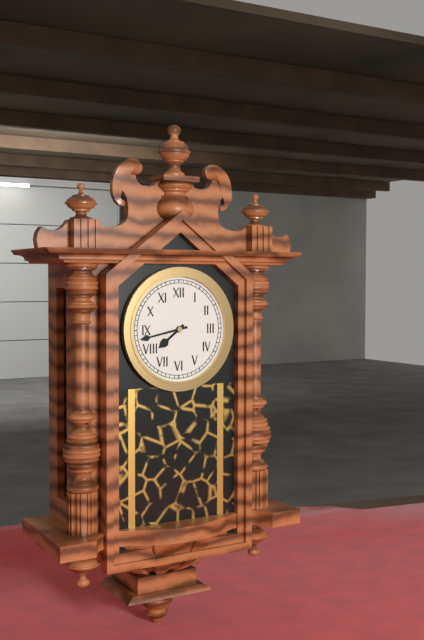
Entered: 7.43
